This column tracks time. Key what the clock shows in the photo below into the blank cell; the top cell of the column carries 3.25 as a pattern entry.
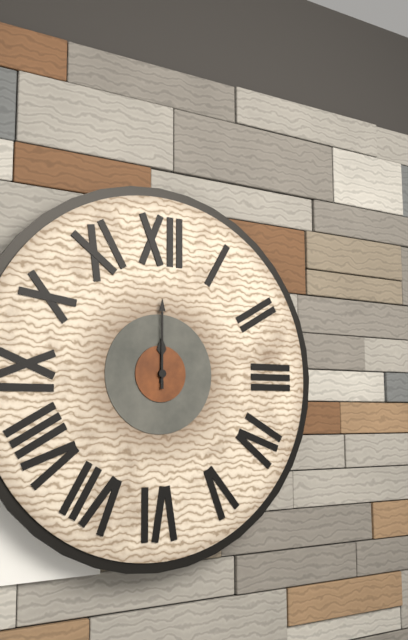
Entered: 12.00
